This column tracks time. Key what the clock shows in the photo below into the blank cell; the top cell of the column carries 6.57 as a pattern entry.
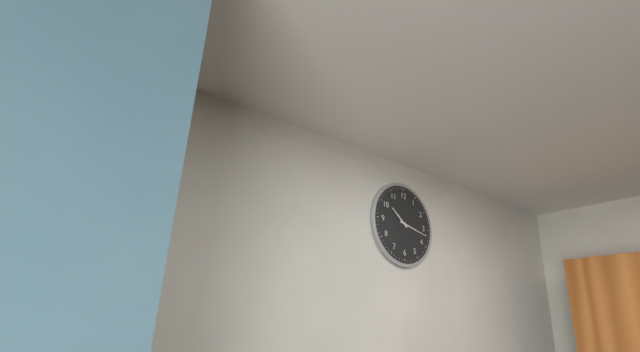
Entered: 10.17
